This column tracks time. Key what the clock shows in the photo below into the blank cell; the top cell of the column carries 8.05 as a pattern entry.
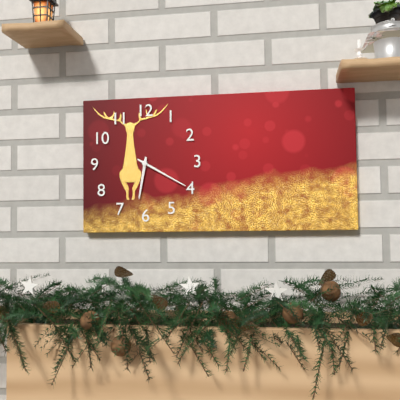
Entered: 6.20
